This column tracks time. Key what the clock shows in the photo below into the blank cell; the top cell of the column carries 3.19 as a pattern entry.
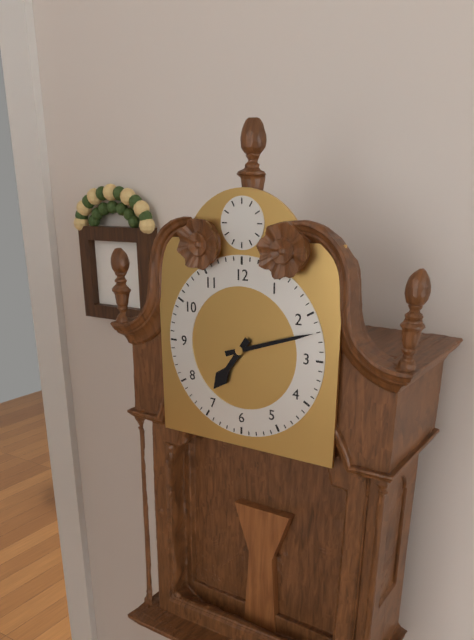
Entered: 7.12
